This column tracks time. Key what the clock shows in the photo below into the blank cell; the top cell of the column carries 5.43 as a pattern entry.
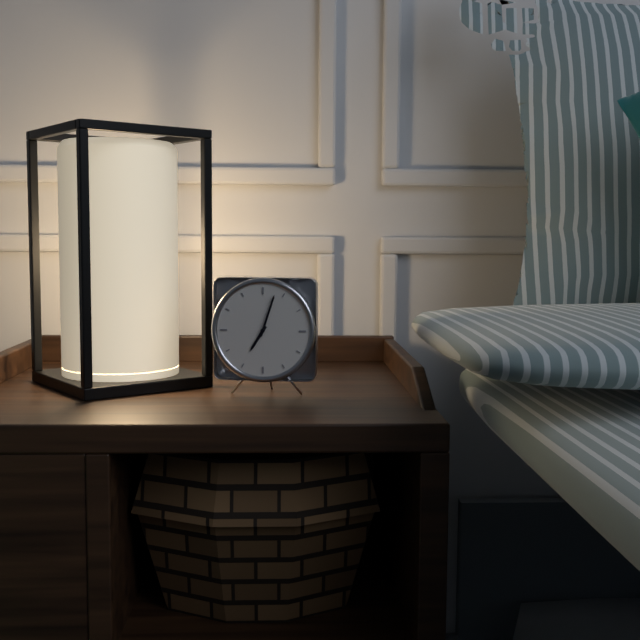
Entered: 7.03
